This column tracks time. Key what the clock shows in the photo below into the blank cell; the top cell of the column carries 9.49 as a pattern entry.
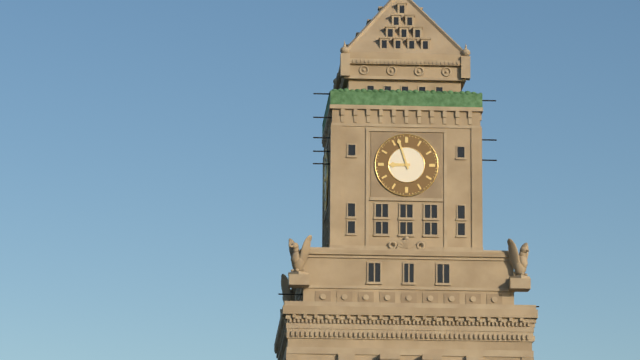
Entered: 8.57
